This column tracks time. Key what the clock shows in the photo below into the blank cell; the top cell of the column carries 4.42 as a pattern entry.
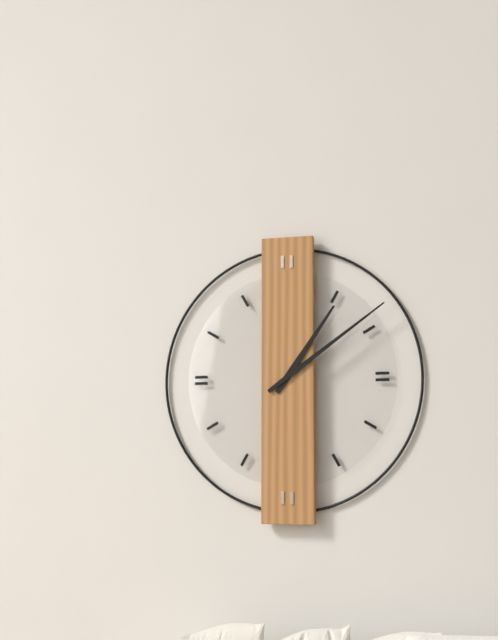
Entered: 1.09
